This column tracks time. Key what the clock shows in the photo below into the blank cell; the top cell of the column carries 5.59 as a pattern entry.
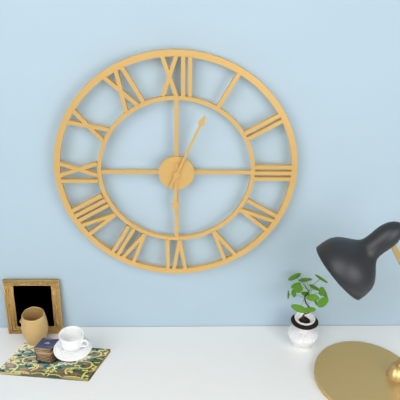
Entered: 6.04
